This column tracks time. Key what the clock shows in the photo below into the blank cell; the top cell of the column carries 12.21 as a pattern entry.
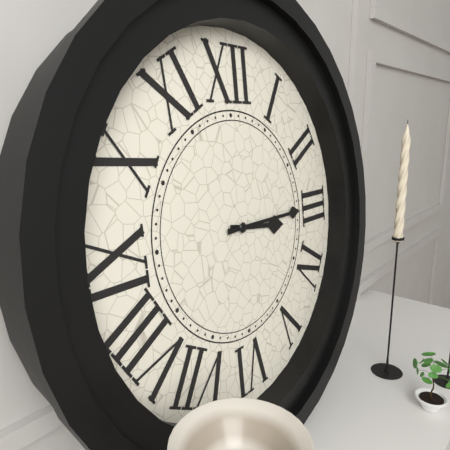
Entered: 3.15
